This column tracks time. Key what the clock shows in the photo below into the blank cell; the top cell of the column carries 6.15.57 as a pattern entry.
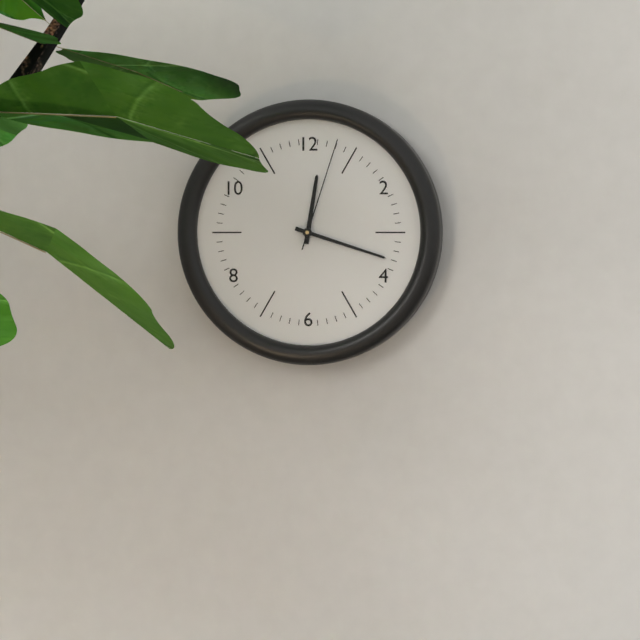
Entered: 12.18.03
